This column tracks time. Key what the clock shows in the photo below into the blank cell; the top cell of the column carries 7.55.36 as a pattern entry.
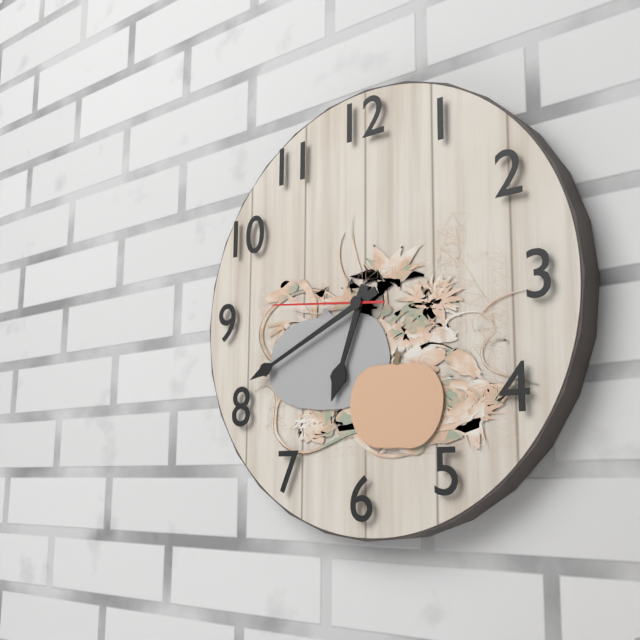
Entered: 6.41.46
